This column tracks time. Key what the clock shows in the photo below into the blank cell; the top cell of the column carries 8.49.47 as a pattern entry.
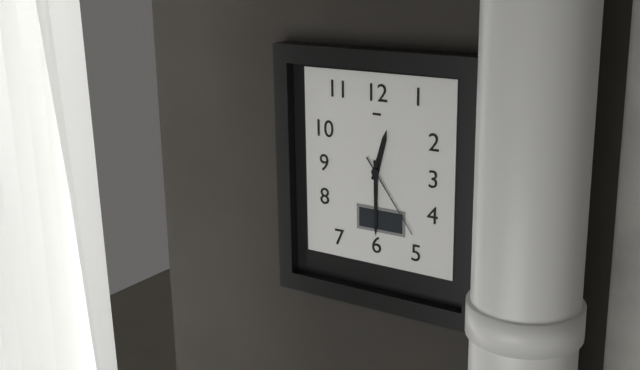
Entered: 12.30.24
